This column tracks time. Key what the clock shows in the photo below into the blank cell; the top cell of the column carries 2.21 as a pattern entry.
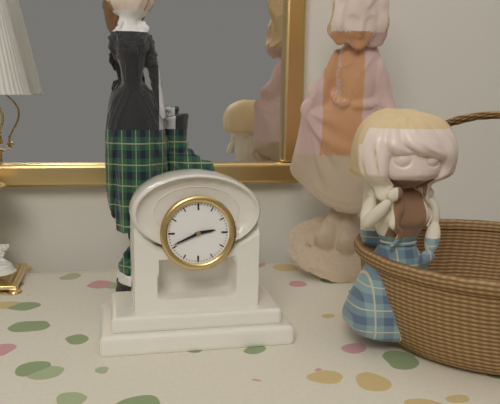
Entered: 2.41
